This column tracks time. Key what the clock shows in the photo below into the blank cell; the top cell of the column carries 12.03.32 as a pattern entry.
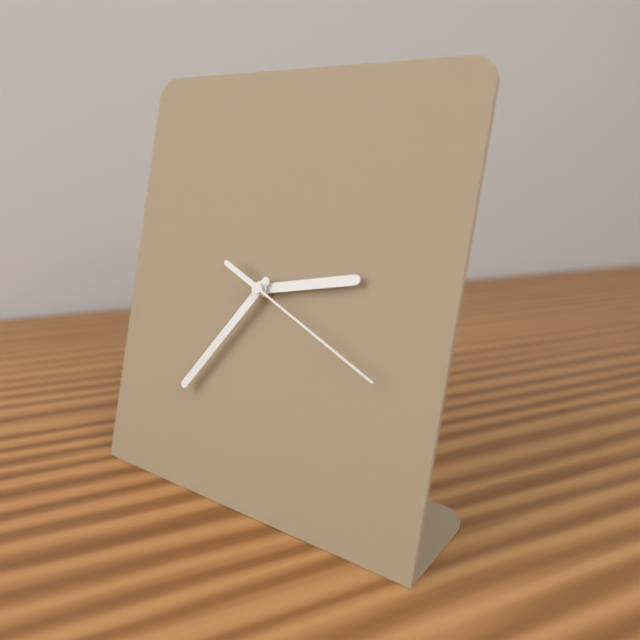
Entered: 2.36.19
